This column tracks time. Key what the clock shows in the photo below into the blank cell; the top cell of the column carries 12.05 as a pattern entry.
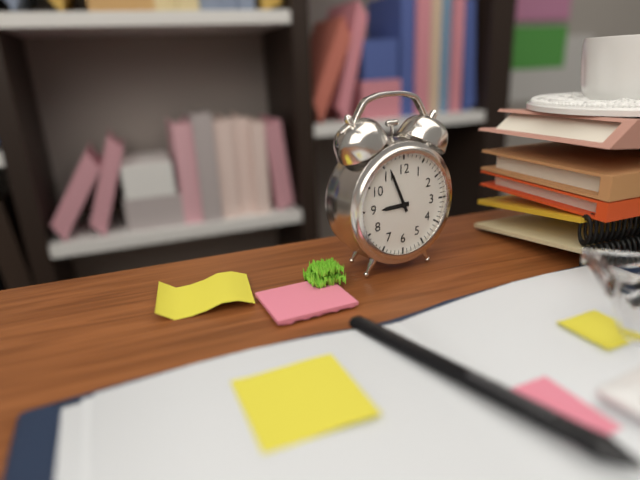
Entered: 8.56
